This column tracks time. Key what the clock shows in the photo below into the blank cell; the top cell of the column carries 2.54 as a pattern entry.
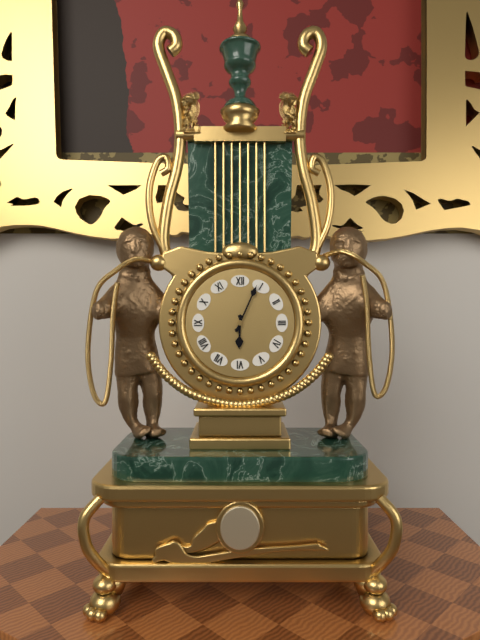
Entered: 6.04
